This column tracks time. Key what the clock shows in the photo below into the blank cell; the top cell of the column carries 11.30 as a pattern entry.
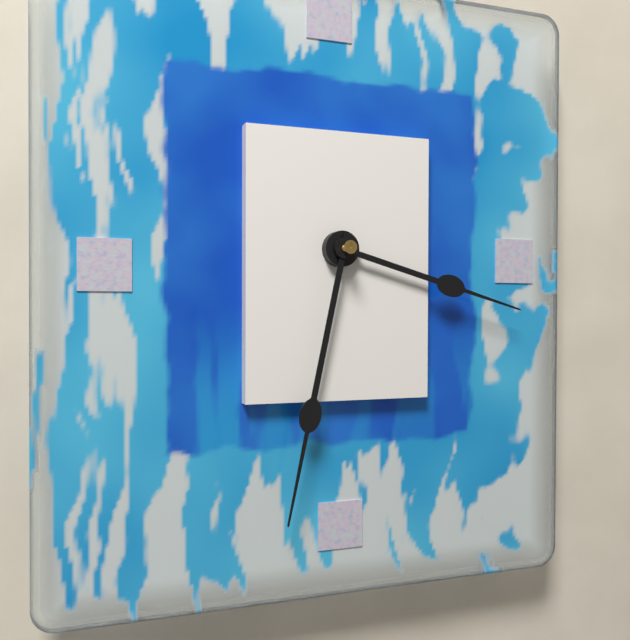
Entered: 3.32
